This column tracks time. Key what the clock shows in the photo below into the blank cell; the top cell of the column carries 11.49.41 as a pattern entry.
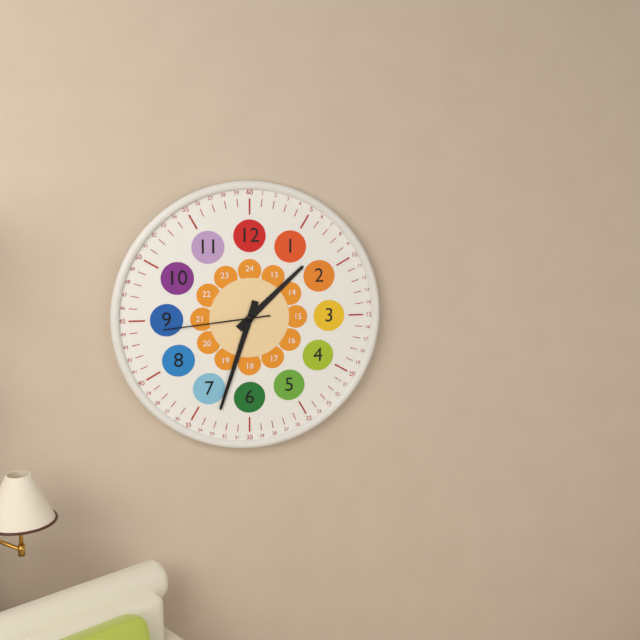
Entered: 1.33.44
